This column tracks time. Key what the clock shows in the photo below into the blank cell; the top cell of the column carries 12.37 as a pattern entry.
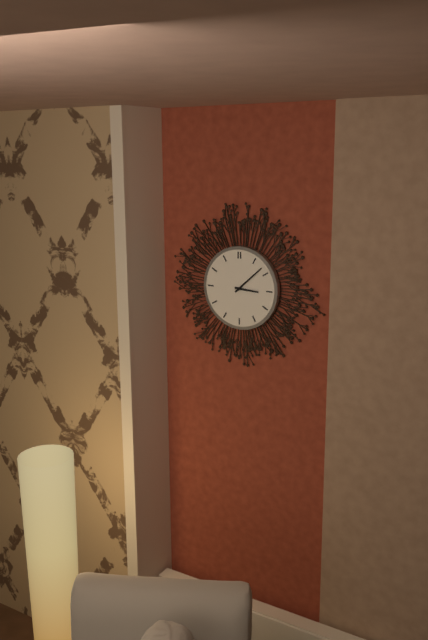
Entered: 3.08
